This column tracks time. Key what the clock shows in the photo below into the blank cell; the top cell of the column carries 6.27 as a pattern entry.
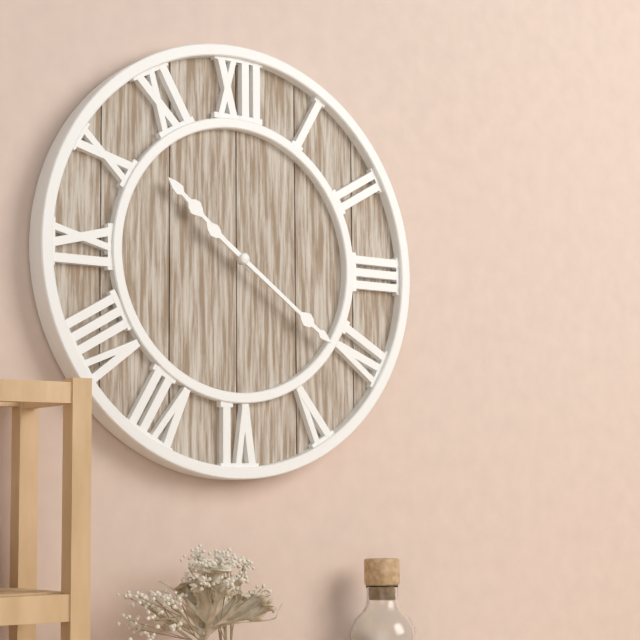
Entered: 10.21
